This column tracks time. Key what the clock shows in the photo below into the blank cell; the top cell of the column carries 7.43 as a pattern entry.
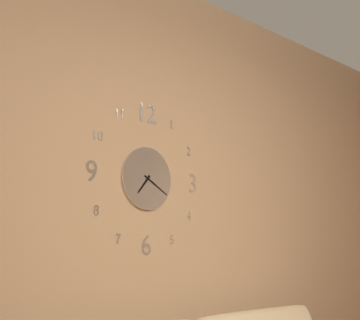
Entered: 7.20
